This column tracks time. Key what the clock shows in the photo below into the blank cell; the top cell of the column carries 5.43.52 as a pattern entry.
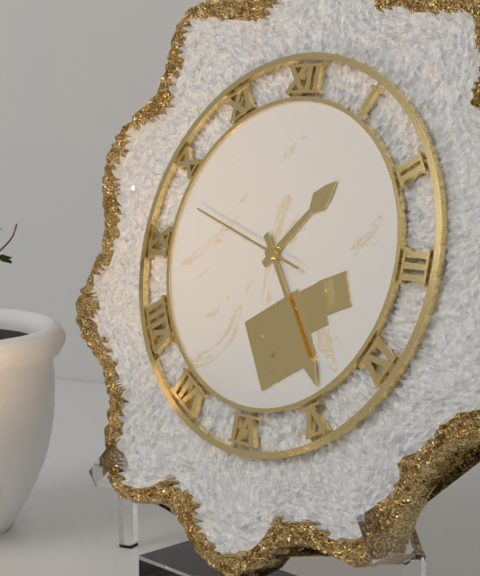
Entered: 1.24.48
